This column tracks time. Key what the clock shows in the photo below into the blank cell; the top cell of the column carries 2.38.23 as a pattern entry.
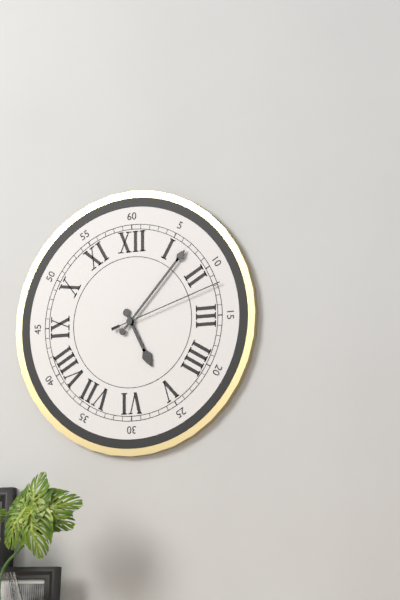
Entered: 5.07.12
